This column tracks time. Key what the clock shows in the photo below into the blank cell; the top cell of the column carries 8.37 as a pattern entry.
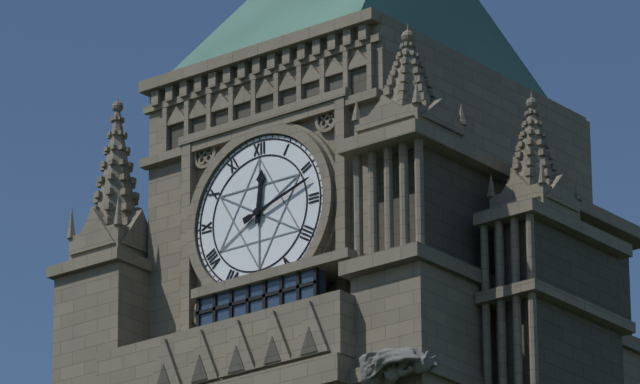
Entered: 12.12
